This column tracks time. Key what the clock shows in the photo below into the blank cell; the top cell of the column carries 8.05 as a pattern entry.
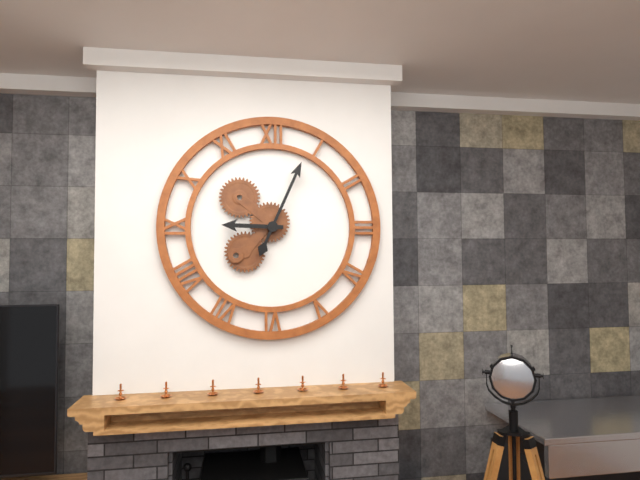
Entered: 9.04
